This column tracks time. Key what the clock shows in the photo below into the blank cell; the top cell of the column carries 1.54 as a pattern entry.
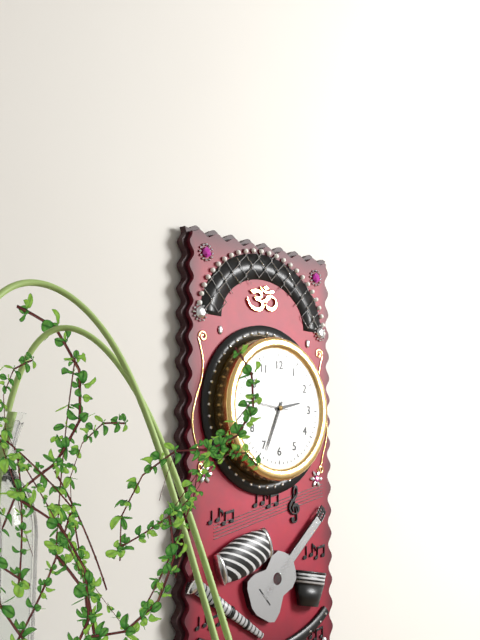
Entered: 2.34
